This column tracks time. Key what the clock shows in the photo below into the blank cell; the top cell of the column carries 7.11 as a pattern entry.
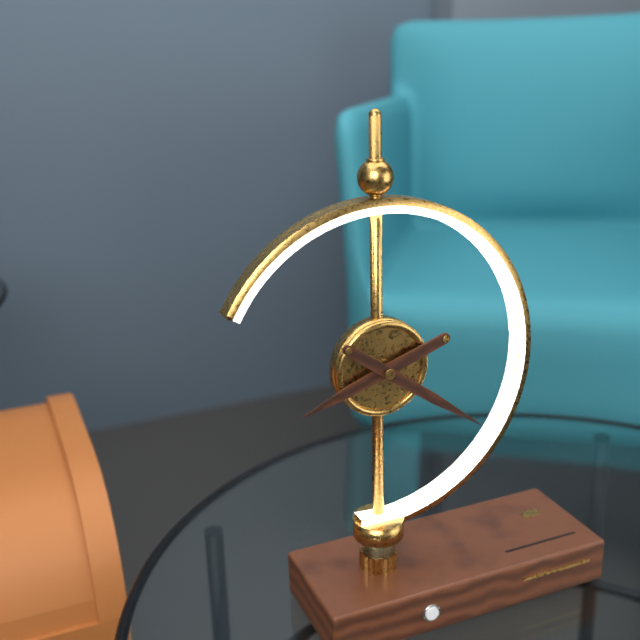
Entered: 8.21
